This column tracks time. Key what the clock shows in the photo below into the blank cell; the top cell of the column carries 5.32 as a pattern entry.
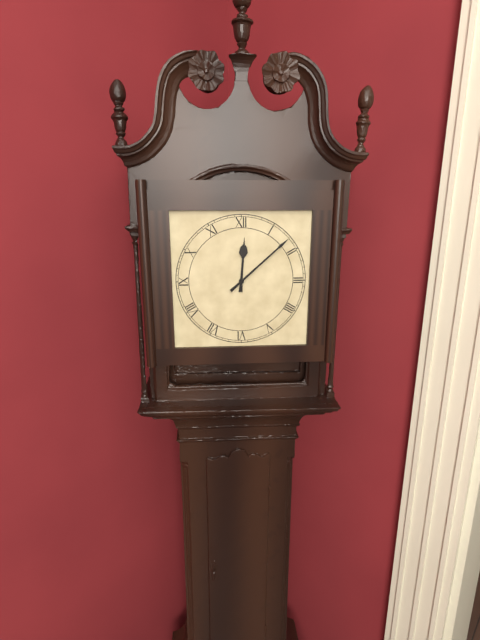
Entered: 12.08
